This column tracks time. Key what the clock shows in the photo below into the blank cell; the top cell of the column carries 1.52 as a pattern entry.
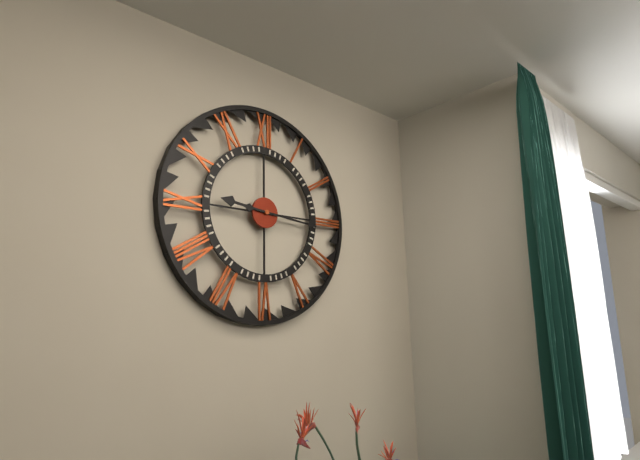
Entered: 9.16
